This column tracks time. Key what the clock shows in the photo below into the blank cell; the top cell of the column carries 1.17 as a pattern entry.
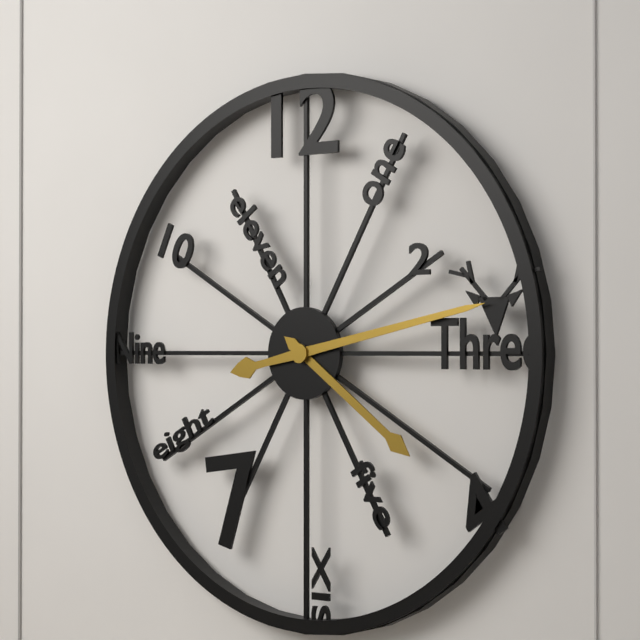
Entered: 4.13
